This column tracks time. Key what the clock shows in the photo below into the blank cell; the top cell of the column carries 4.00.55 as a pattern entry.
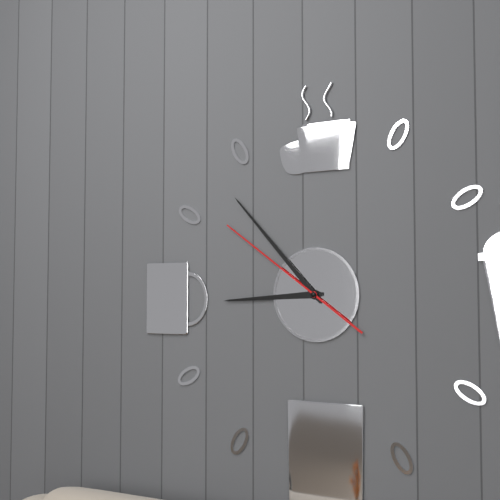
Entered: 8.53.51
